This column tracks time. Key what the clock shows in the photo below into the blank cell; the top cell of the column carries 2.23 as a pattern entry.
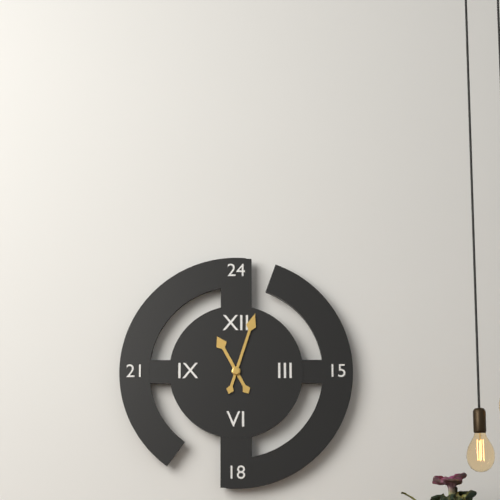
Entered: 11.03
